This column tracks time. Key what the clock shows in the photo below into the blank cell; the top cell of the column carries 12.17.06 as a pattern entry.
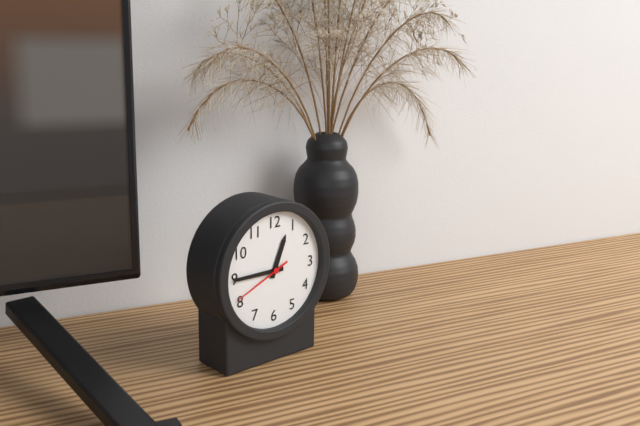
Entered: 12.45.41
